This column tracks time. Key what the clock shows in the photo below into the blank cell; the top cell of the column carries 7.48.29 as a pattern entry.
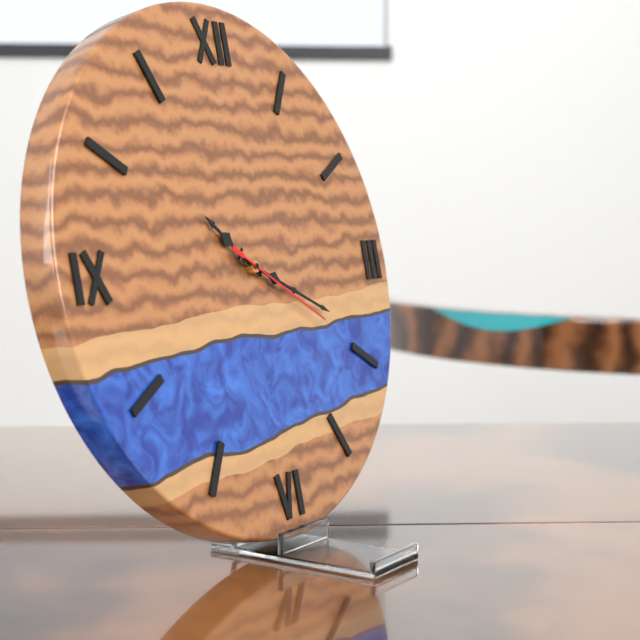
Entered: 10.19.20
